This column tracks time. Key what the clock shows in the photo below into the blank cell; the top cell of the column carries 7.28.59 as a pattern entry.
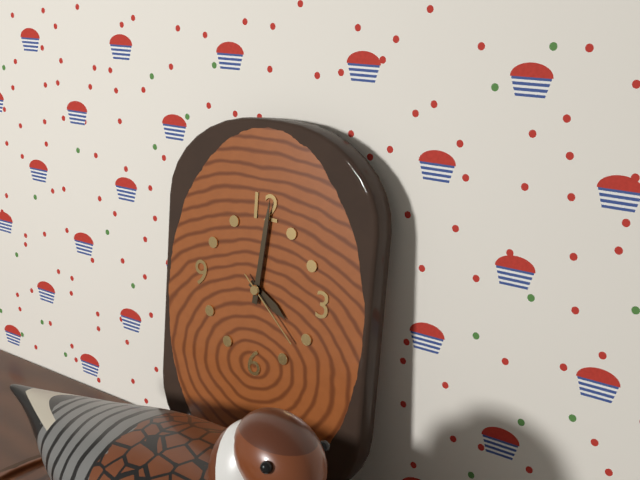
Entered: 4.01.22
